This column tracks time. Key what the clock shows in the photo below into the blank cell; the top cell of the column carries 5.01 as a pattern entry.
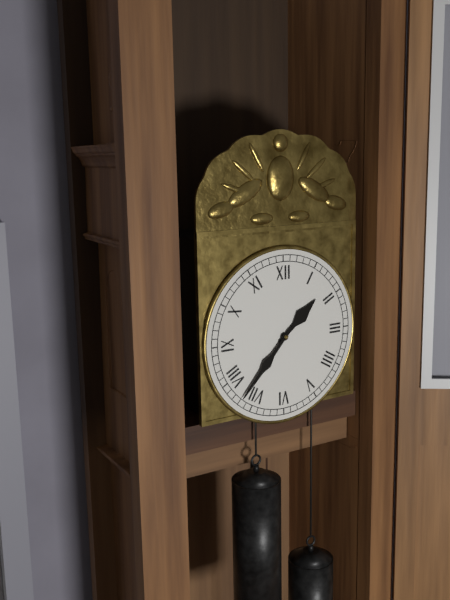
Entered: 1.37
